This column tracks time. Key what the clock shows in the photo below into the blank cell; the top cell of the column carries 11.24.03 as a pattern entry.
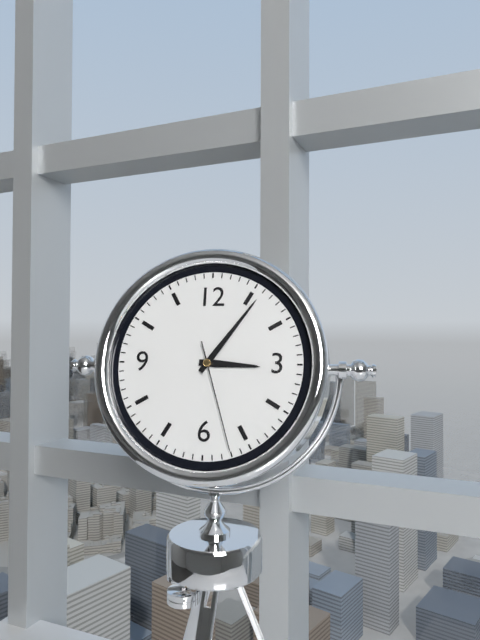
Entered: 3.06.27
